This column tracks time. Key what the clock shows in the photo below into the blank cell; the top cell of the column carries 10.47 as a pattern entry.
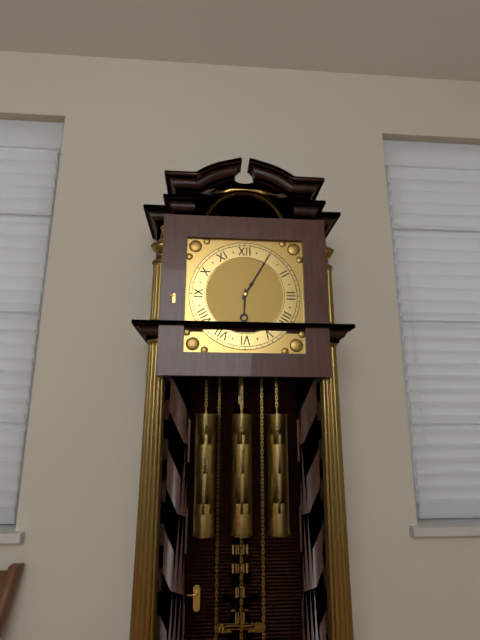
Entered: 6.05
